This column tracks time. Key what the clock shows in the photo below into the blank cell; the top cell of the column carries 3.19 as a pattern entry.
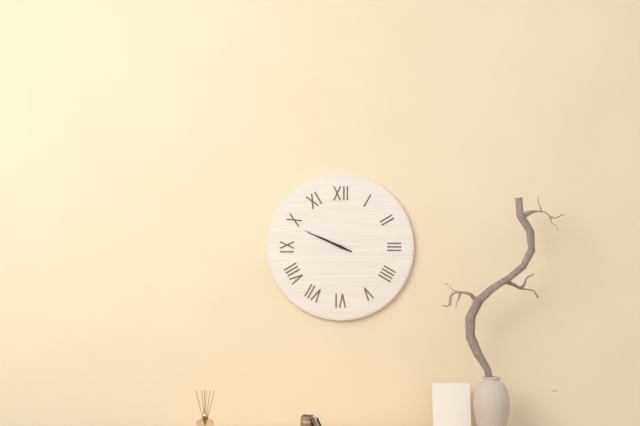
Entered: 9.49
